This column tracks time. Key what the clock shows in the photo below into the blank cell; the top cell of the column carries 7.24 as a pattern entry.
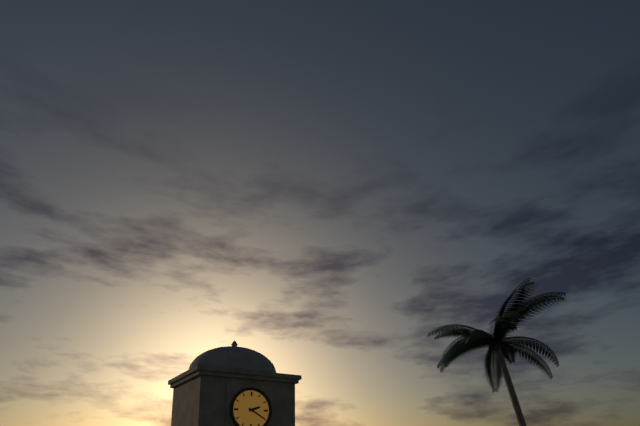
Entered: 2.20
